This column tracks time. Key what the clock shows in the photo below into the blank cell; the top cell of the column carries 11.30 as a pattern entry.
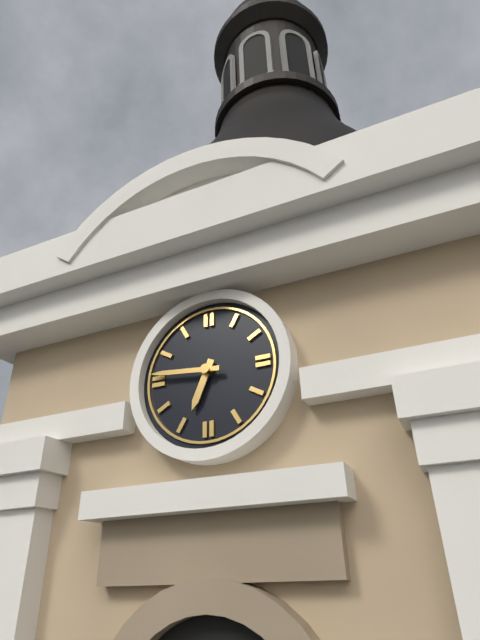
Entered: 6.46
